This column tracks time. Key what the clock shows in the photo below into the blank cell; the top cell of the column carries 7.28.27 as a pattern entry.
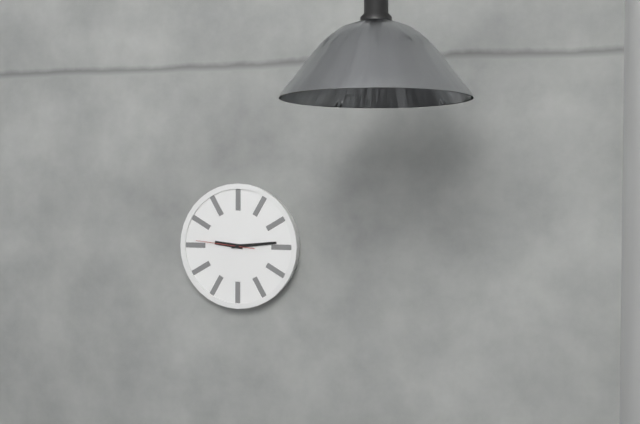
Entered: 9.14.46
